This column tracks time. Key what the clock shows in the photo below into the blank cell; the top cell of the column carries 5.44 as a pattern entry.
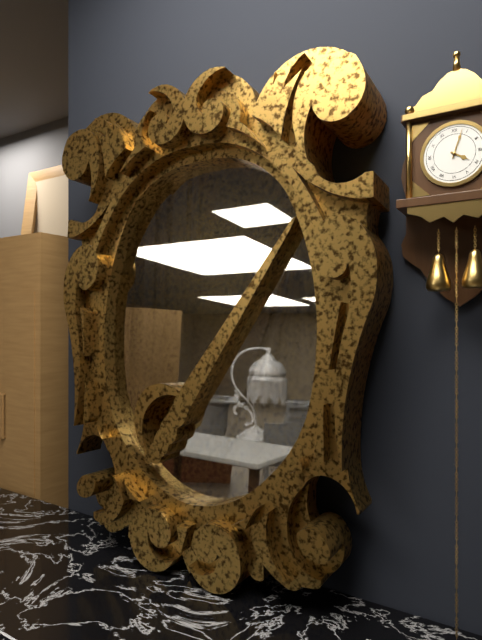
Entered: 4.03
